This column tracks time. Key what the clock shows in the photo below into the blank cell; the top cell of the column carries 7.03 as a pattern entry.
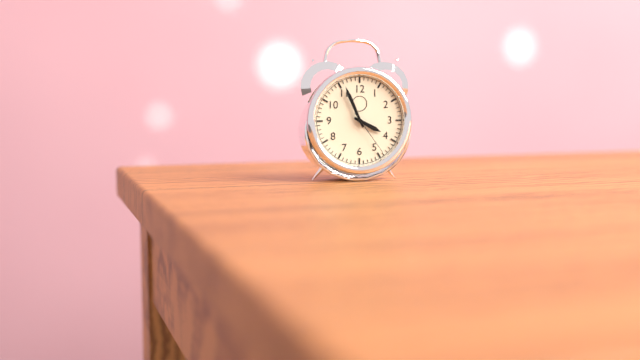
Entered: 3.56
